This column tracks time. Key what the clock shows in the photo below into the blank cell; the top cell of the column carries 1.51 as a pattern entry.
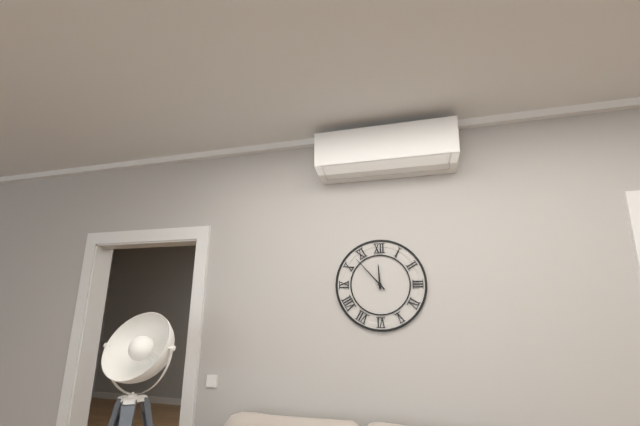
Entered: 11.53
